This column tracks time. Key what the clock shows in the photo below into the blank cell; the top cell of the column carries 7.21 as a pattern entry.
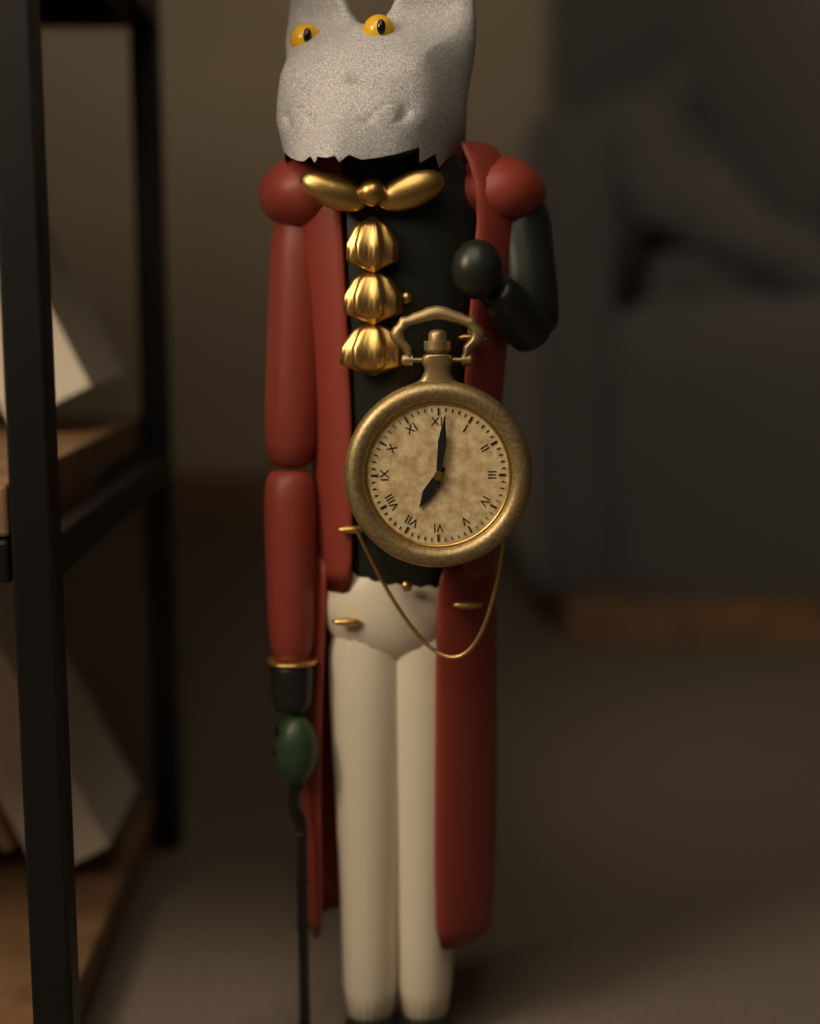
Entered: 7.01
